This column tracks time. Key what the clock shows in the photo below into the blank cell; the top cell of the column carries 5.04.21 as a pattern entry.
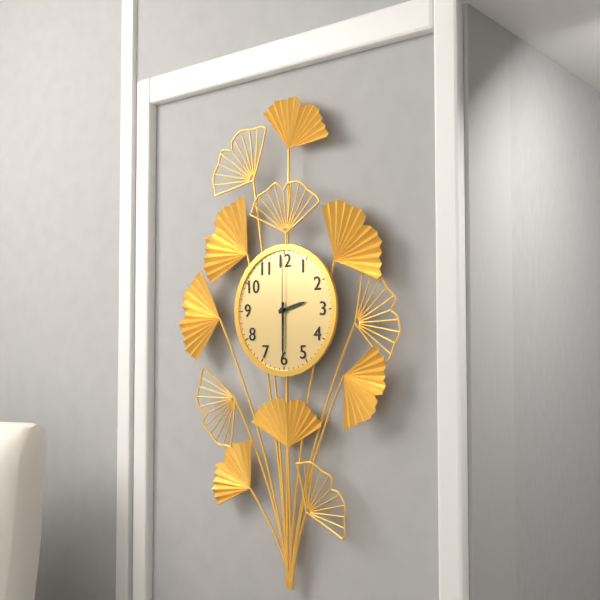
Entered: 2.30.00
